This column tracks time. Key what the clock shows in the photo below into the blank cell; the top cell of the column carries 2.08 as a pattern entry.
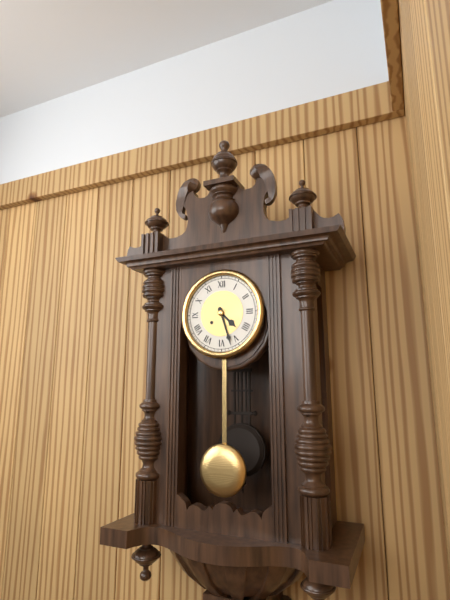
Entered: 4.27
